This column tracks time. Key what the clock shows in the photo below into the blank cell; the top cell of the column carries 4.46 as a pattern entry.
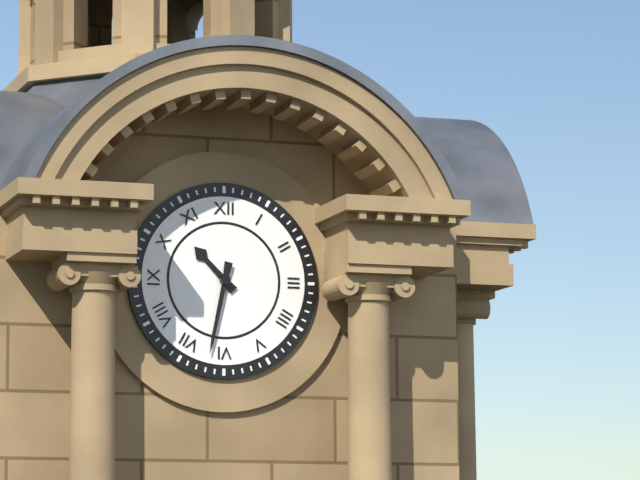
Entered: 10.32
